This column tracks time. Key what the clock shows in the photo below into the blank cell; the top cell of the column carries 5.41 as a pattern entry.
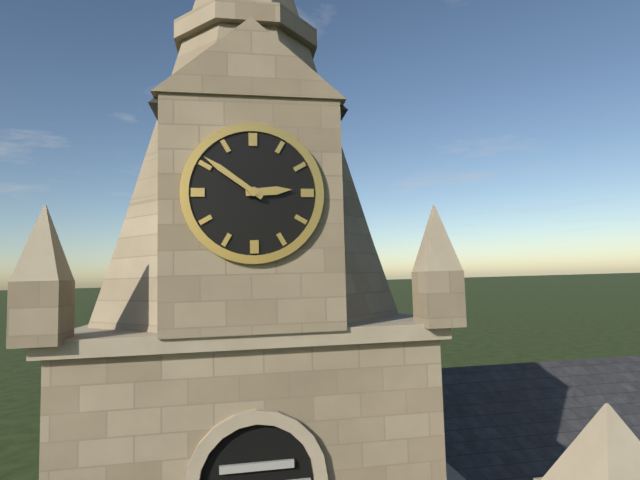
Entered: 2.51
